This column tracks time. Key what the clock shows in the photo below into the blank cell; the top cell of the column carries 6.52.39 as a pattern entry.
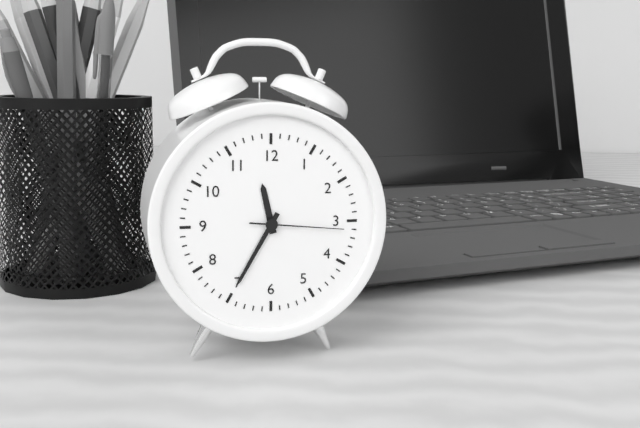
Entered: 11.35.16
